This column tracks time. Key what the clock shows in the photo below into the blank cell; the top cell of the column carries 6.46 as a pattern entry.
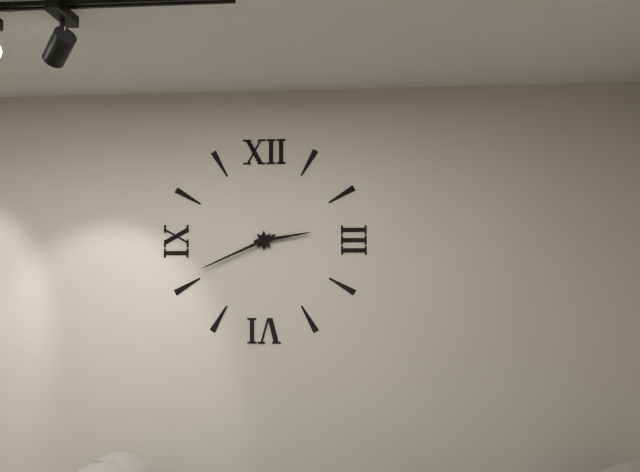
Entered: 2.41
